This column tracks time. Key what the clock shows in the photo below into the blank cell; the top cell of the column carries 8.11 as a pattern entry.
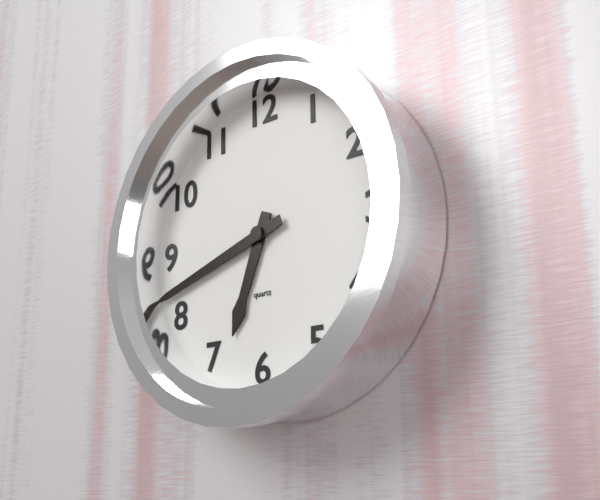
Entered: 6.42
